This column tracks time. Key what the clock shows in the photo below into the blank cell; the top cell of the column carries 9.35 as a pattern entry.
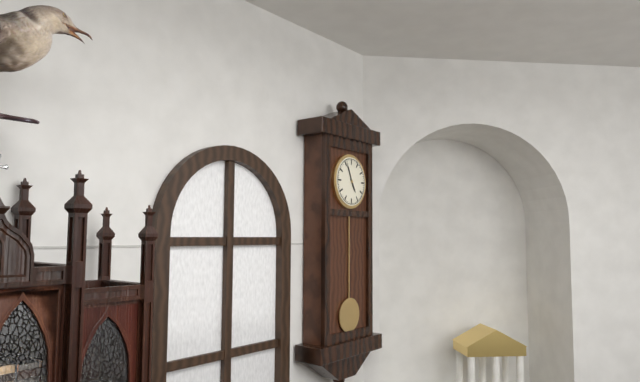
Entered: 4.56
